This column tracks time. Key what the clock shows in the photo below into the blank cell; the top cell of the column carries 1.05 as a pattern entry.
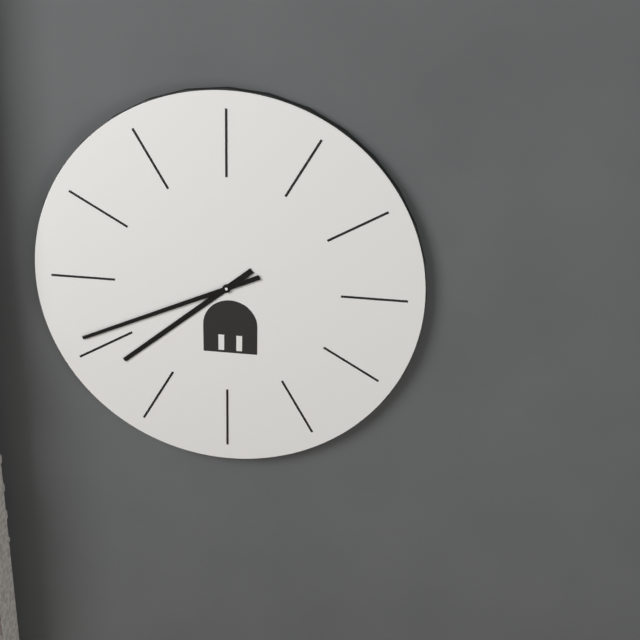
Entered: 7.41
